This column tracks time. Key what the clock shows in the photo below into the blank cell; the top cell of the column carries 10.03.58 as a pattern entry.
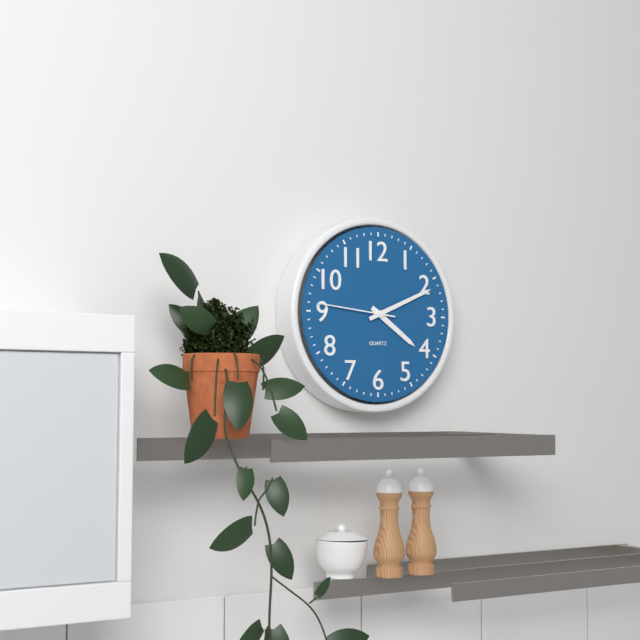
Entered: 4.11.46
